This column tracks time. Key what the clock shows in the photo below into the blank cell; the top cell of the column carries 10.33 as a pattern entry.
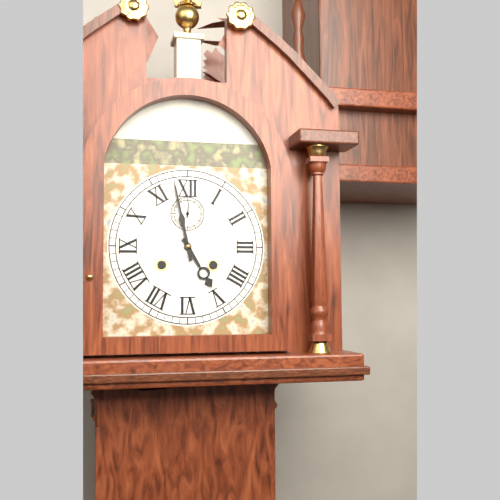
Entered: 4.58
